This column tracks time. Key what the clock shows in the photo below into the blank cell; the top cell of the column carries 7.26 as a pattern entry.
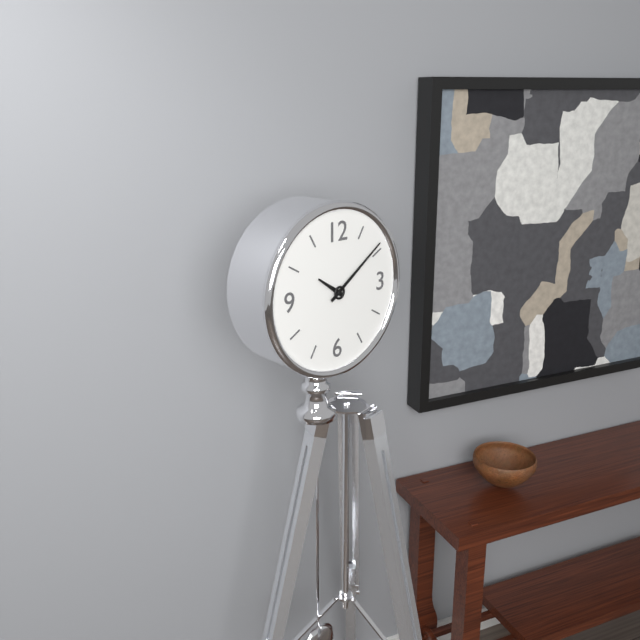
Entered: 10.09
